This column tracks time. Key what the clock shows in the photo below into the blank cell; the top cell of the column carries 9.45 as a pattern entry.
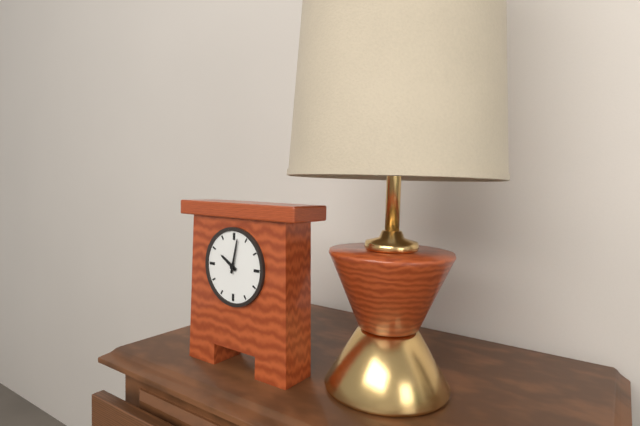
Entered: 10.02
